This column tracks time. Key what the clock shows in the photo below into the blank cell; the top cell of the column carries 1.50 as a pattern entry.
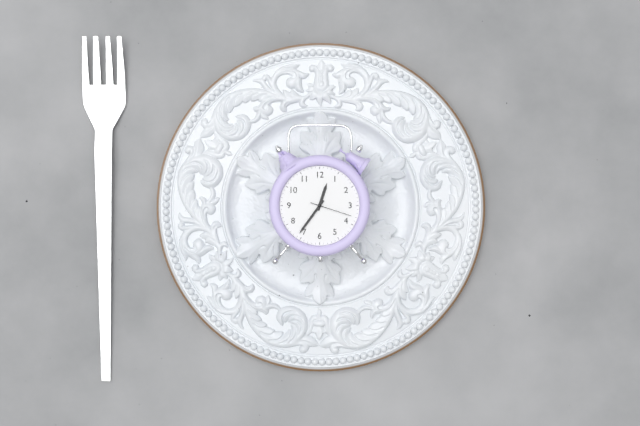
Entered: 12.36
